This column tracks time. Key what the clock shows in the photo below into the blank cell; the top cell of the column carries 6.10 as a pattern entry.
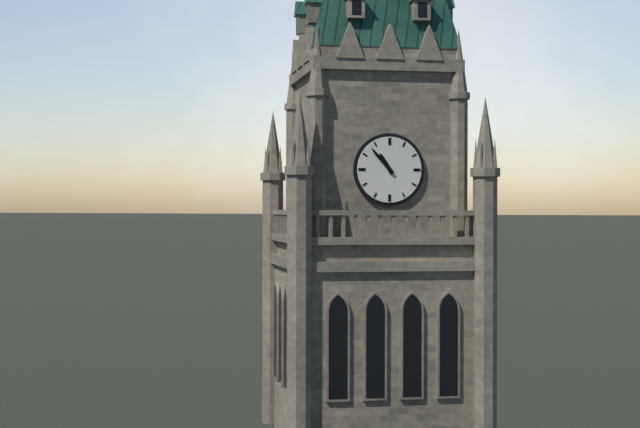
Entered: 10.53
